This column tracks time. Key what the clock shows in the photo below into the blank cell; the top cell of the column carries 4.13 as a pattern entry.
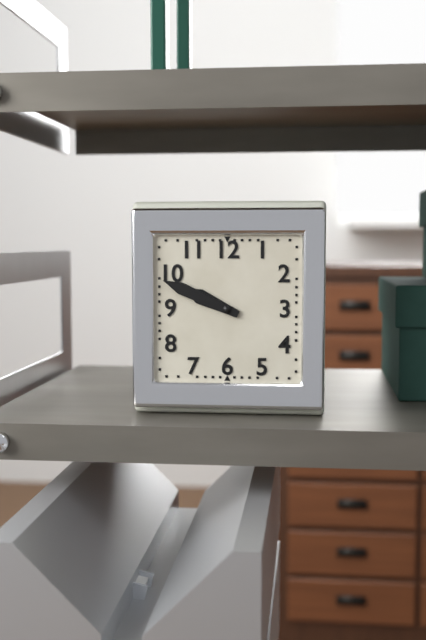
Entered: 9.49
